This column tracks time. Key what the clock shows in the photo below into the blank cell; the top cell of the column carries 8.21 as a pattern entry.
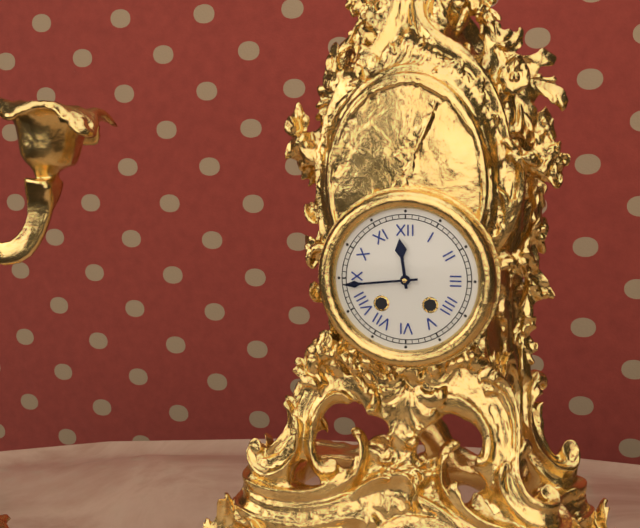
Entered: 11.44
